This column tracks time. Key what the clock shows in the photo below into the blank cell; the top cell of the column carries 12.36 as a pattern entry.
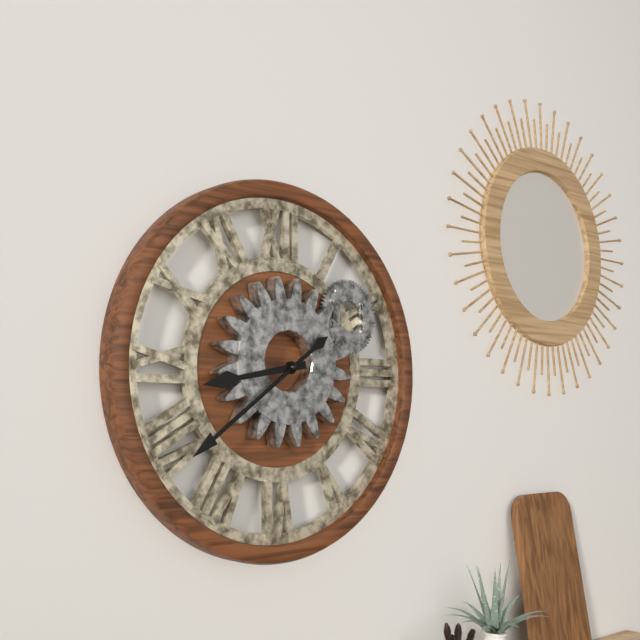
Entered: 8.39
